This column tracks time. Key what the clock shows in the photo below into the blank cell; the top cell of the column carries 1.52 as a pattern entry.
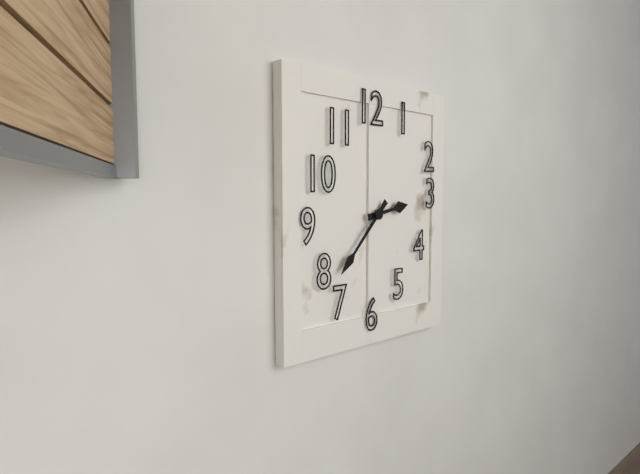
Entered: 2.37
